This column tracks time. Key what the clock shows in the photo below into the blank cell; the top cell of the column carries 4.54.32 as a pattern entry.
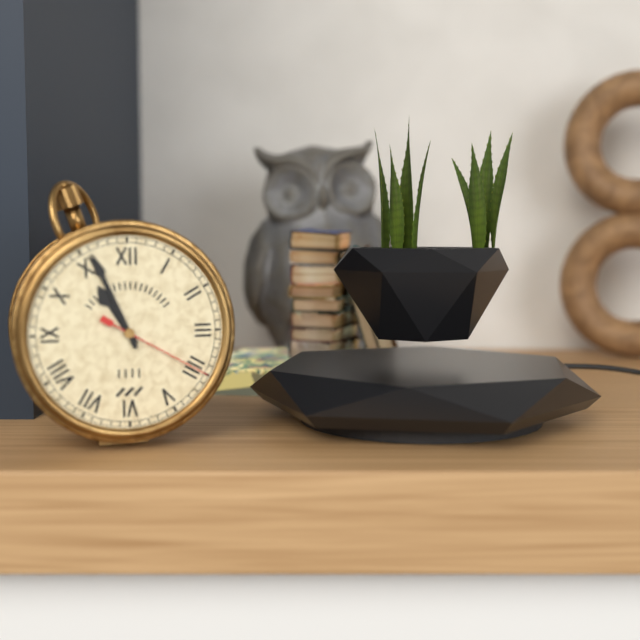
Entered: 10.56.20
